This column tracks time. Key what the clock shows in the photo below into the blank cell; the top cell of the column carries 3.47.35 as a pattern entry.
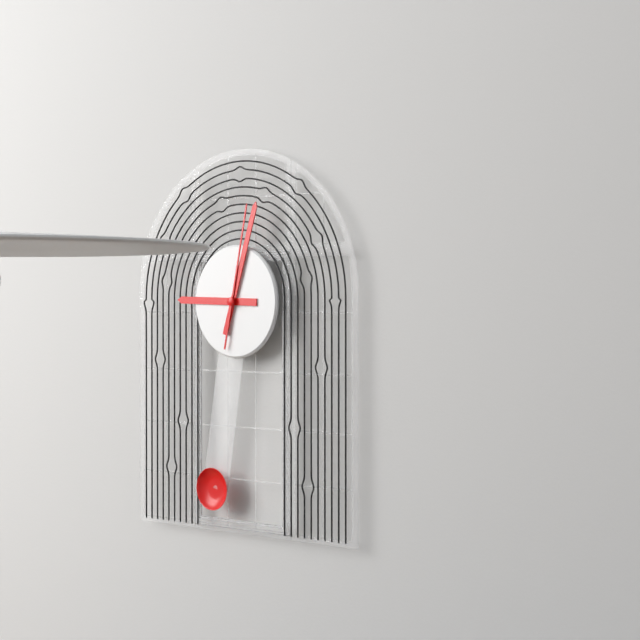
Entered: 9.03.02
